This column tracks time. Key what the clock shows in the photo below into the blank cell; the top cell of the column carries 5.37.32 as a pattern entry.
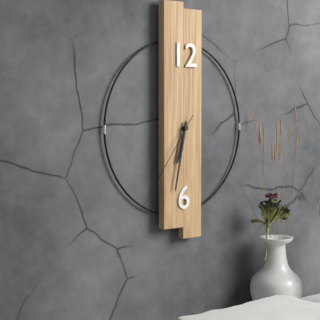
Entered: 6.32.36
